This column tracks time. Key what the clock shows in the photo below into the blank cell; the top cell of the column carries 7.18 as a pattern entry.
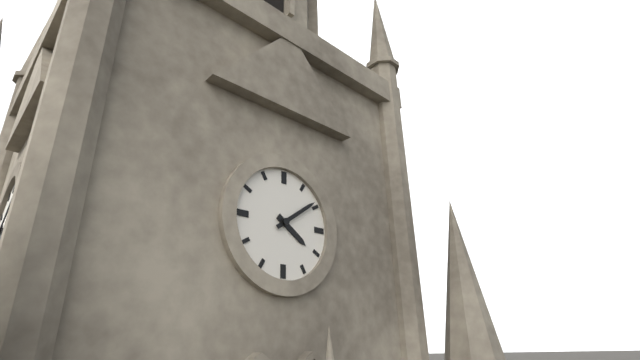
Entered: 4.09
